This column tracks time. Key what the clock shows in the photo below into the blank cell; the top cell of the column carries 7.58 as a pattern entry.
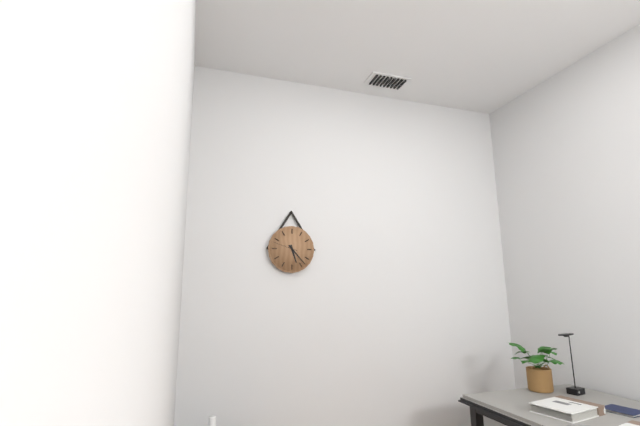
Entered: 5.23
